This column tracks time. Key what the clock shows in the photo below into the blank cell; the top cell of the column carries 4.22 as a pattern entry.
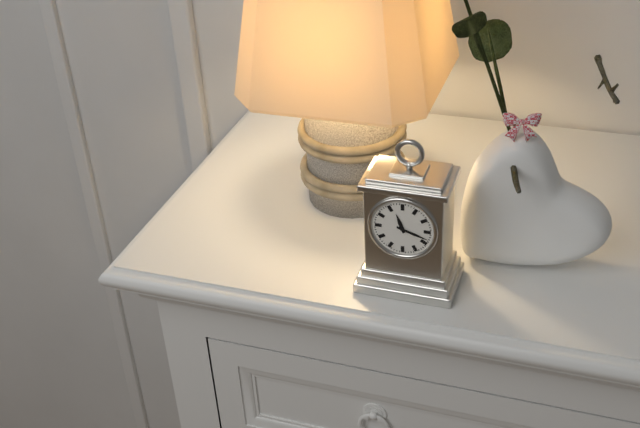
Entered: 11.18
